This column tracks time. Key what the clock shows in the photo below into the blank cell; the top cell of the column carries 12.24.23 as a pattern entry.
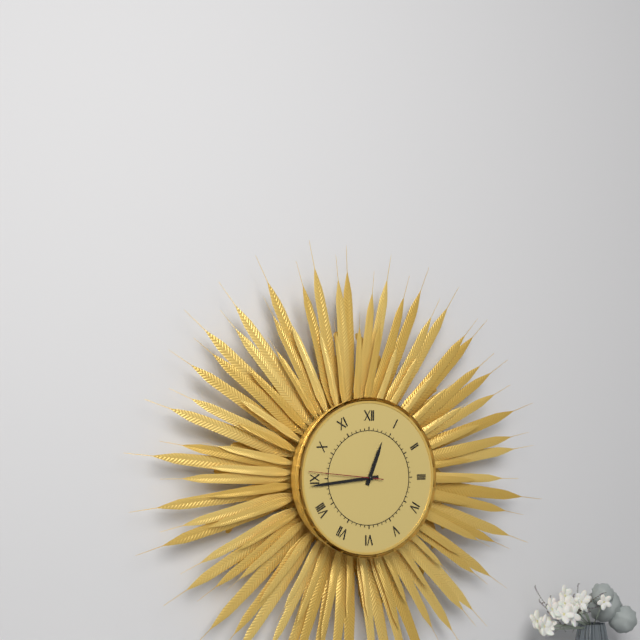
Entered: 12.44.46
